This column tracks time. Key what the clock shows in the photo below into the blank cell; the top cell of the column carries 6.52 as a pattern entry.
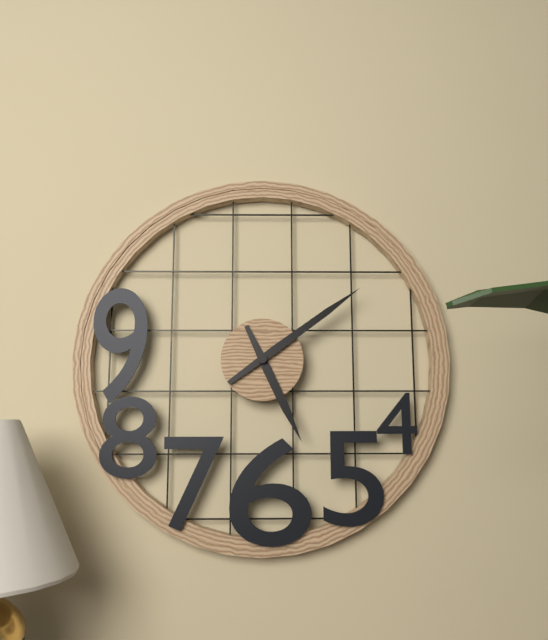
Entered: 5.09
